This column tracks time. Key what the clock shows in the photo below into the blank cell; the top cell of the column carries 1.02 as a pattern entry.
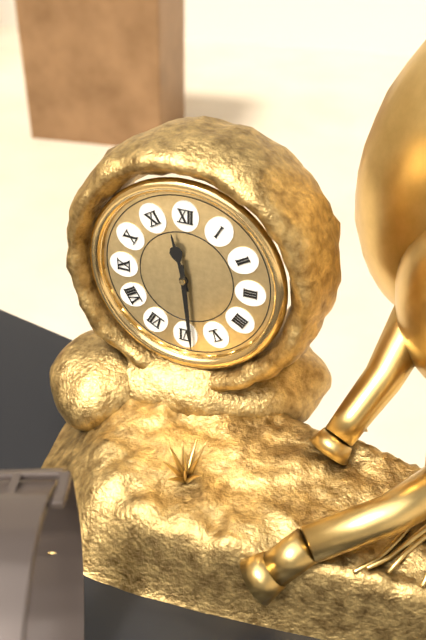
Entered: 11.29
